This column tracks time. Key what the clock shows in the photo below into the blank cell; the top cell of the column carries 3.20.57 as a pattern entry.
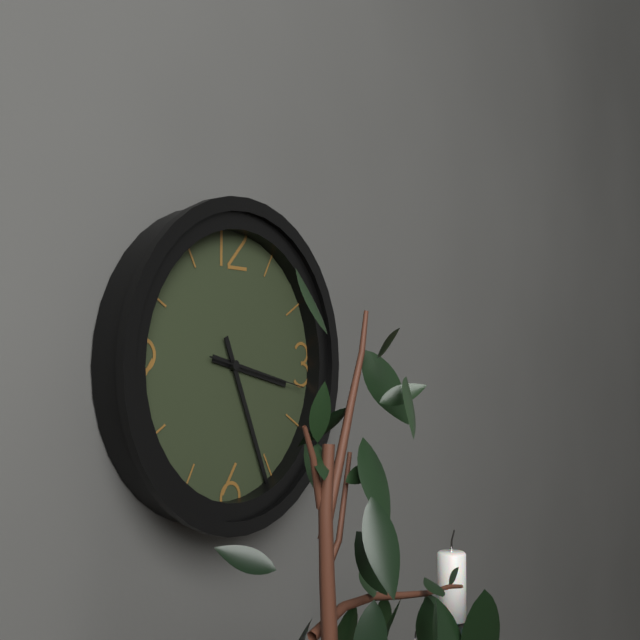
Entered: 3.26.17
